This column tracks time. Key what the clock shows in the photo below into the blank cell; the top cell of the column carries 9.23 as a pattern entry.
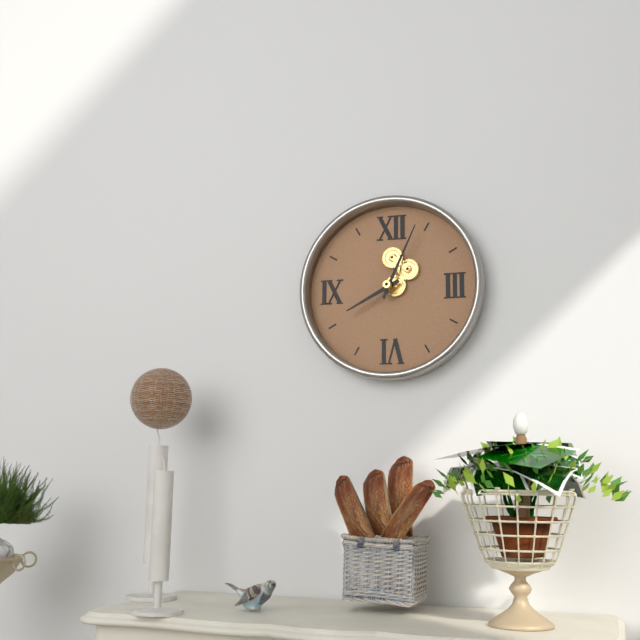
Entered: 8.04
